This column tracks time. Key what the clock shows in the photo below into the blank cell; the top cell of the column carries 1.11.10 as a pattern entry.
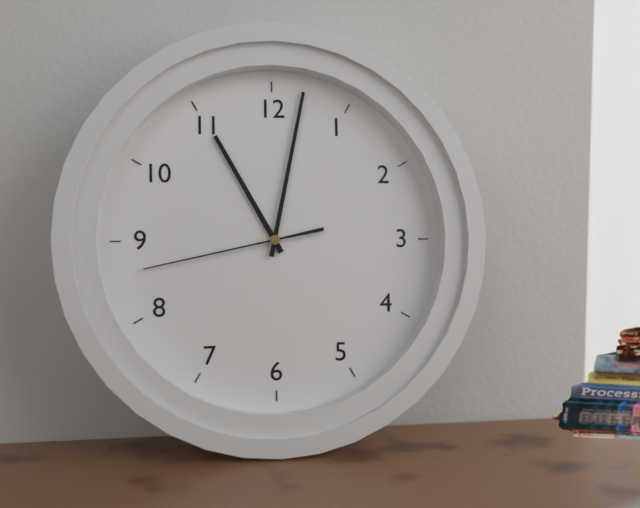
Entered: 11.02.43
